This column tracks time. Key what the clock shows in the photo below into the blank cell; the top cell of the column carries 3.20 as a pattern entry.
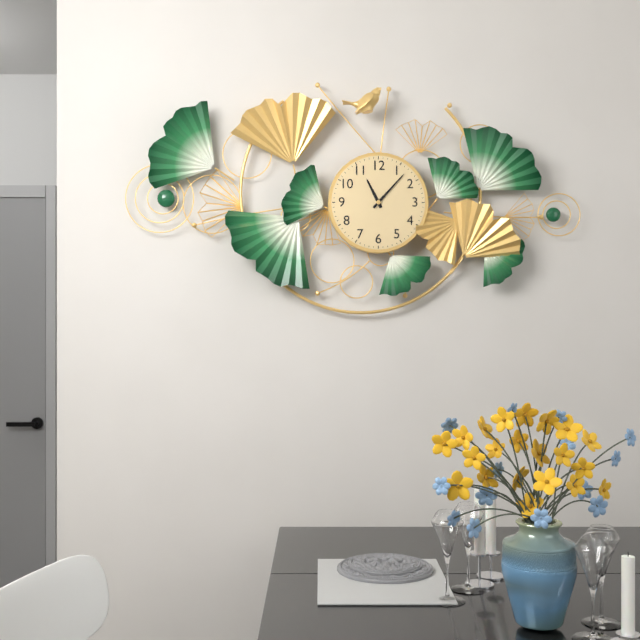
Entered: 11.07
